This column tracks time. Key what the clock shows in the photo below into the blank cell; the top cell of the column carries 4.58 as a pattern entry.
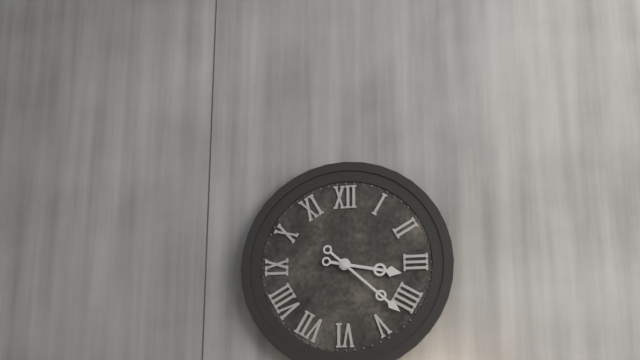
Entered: 3.22
